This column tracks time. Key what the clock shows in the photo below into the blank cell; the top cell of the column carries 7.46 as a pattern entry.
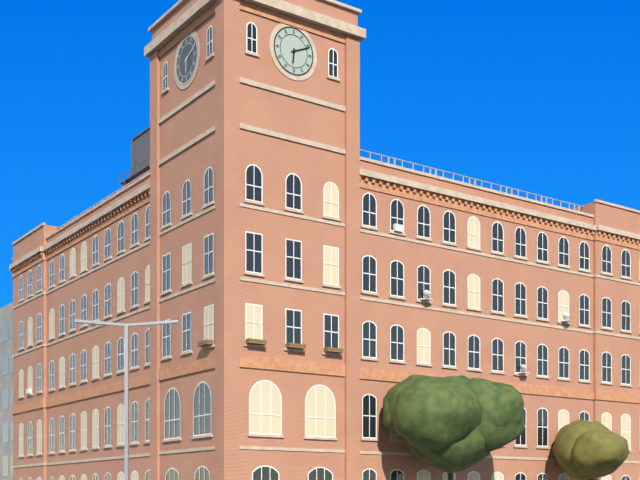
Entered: 6.11
